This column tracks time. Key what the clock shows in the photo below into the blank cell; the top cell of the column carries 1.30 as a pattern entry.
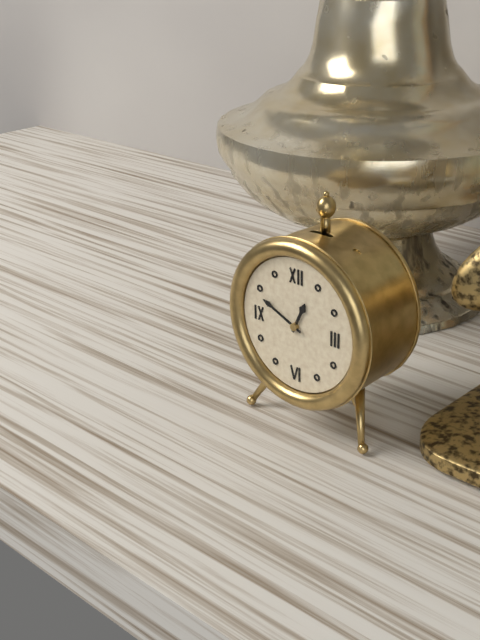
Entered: 12.49
